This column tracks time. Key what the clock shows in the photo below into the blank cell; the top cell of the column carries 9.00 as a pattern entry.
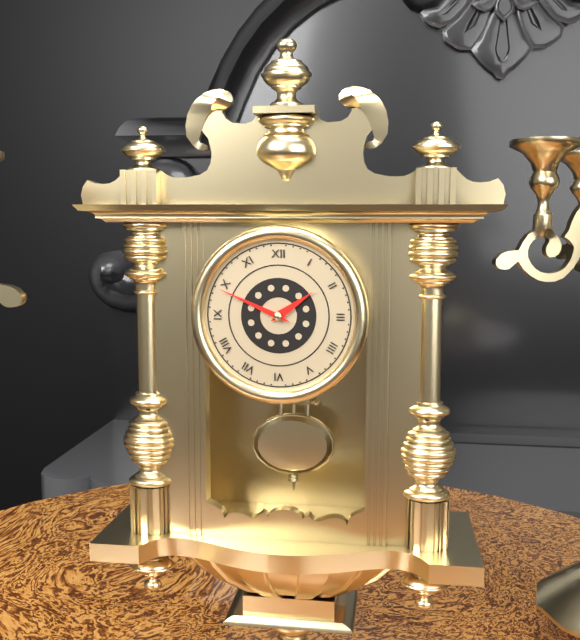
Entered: 1.49
